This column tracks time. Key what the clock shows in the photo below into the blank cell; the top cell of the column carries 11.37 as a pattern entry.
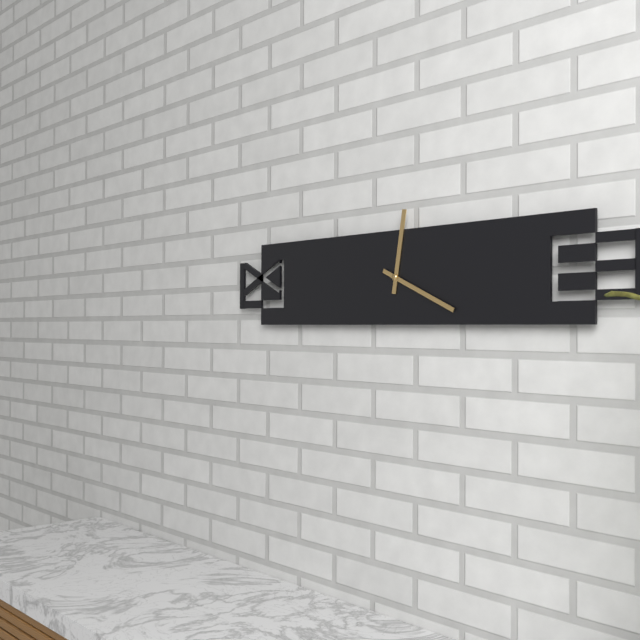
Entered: 12.19
